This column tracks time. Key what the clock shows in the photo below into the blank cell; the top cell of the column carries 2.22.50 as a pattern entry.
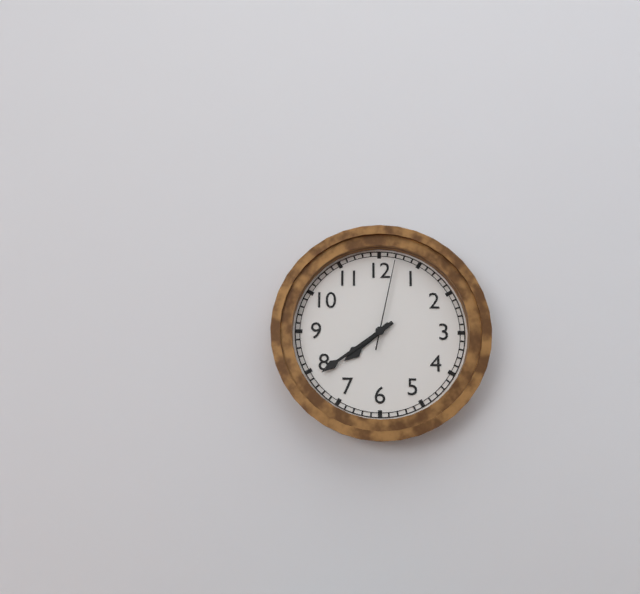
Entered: 7.39.02
